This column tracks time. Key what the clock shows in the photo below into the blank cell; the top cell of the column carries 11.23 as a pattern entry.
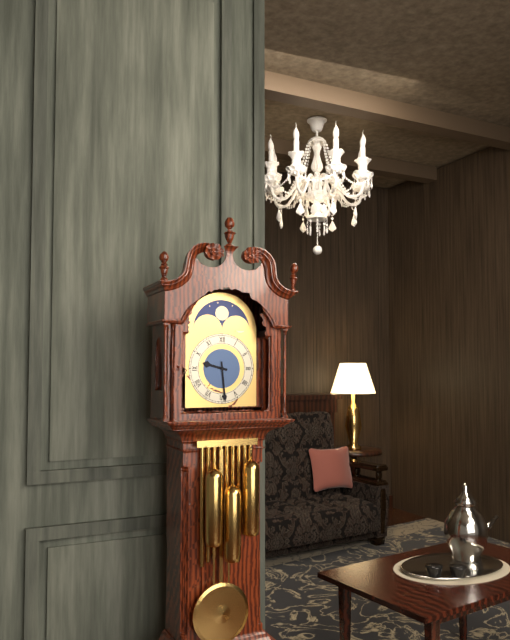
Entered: 9.29
